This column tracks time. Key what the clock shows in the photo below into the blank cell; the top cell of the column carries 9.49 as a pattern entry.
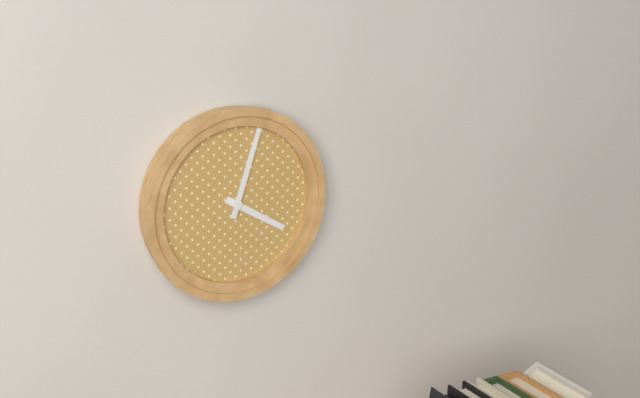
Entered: 4.03
